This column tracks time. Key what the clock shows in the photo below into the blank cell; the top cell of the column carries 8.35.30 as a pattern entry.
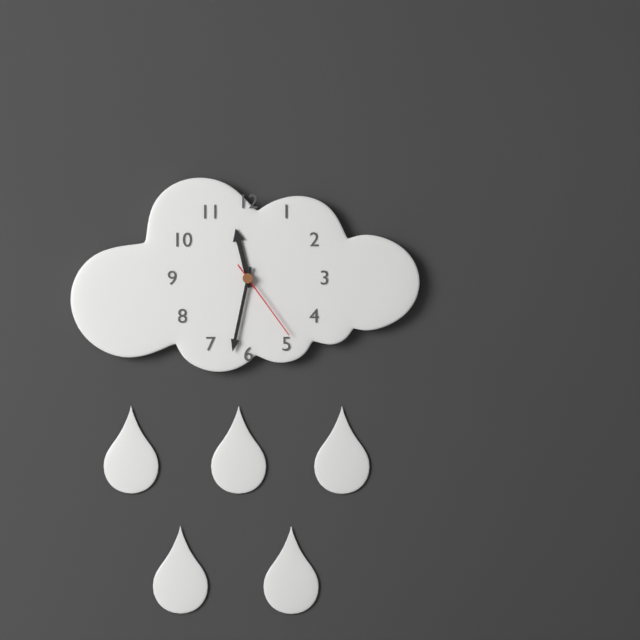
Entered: 11.32.24
